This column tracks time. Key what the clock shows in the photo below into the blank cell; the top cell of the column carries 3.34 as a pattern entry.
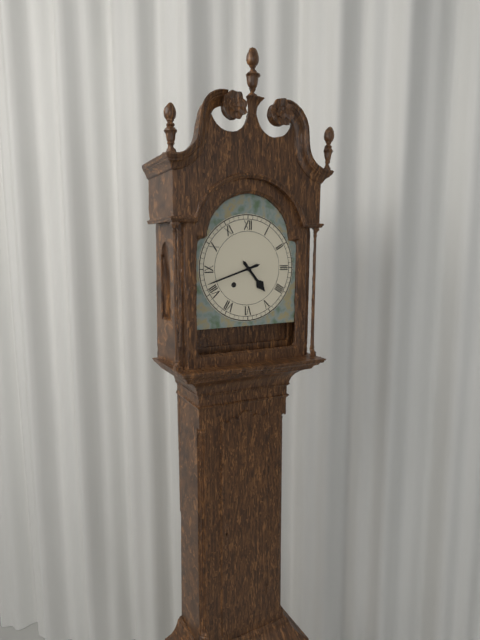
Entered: 4.42
